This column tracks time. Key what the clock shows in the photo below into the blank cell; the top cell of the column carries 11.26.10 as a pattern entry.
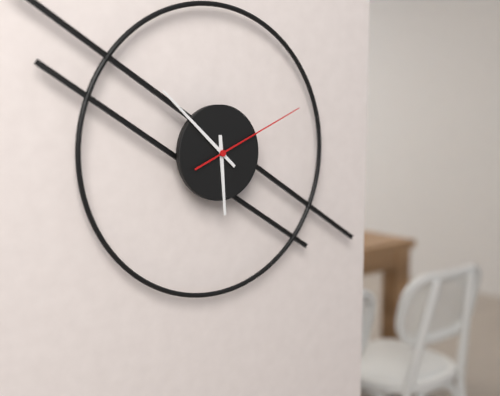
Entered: 5.52.11
